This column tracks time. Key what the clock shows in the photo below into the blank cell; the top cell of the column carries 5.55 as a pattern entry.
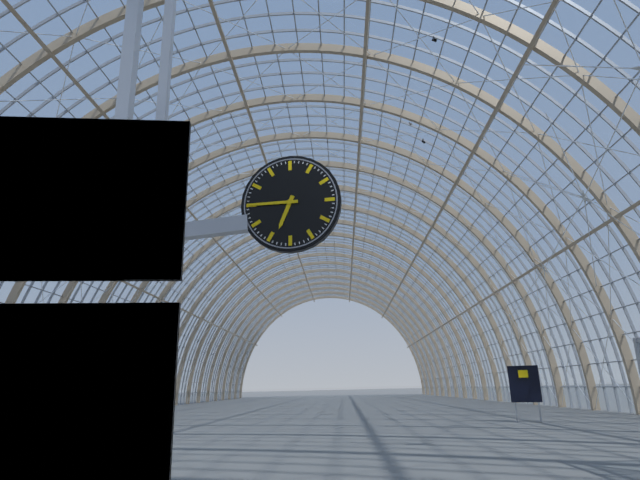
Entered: 6.45
